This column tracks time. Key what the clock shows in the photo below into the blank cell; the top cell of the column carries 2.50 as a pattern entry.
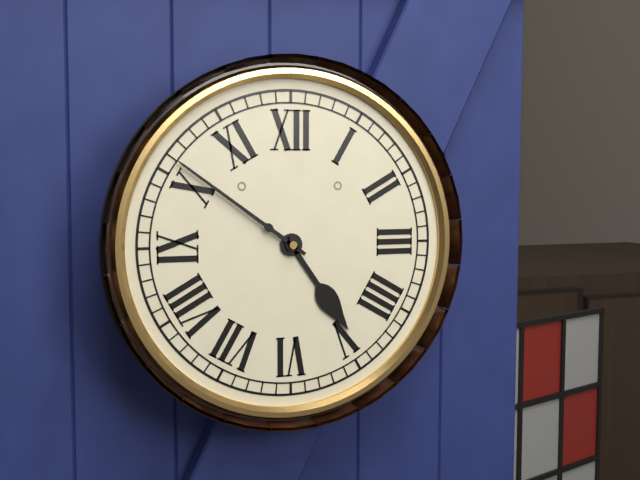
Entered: 4.51
